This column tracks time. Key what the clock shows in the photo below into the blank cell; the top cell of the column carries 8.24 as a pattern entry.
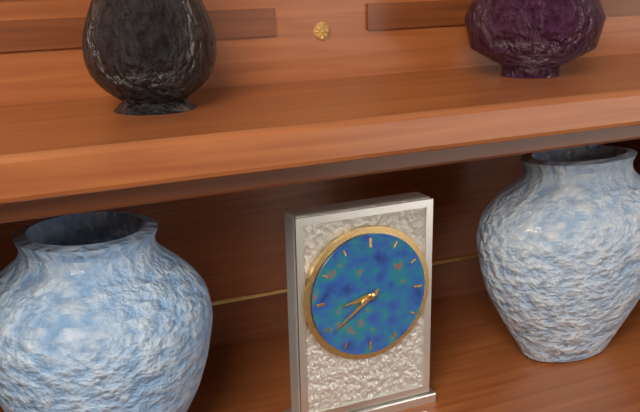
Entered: 8.39
